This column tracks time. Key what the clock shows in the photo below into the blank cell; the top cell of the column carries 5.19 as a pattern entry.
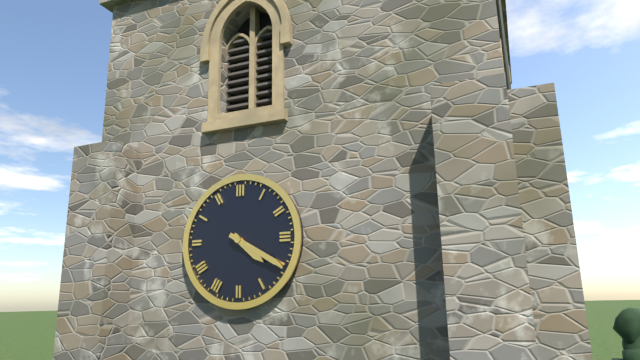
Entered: 4.20
